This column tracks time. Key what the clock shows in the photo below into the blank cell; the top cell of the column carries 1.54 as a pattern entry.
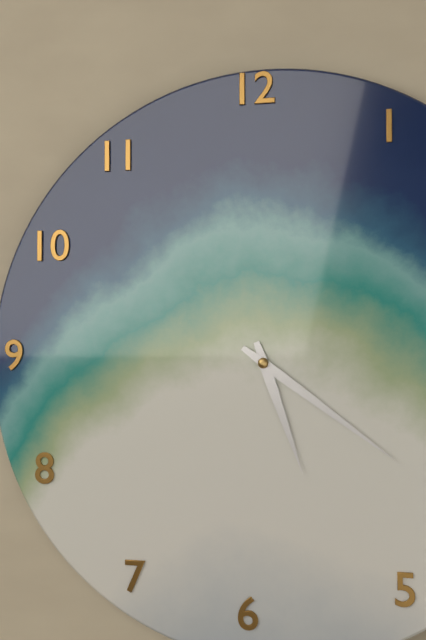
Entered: 5.21
